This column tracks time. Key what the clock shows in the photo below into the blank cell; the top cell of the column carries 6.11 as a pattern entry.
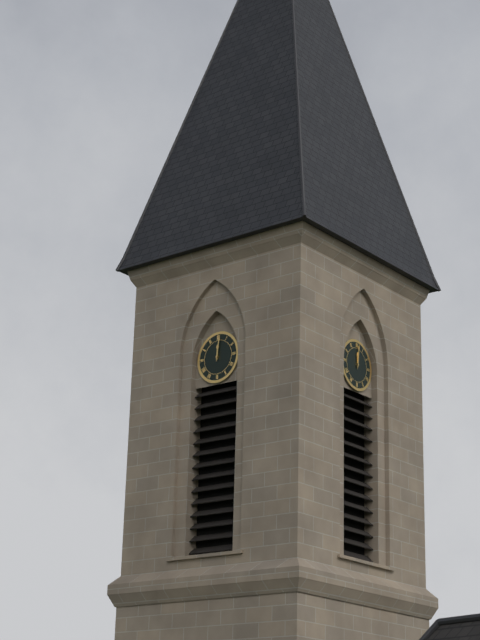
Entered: 12.01
